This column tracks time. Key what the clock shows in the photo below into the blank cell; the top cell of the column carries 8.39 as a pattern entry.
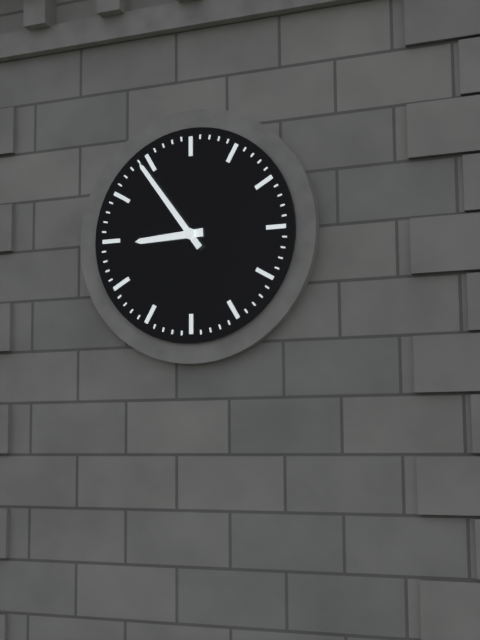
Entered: 8.54
